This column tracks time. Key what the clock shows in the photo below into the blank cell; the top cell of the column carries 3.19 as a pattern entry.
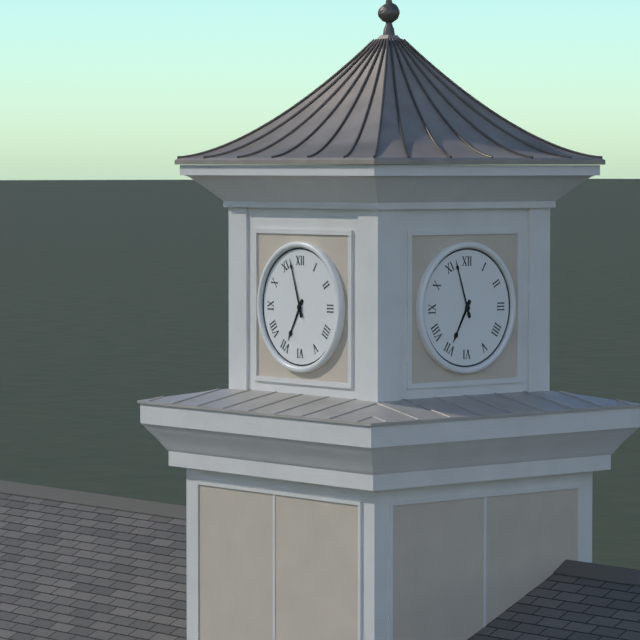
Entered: 6.57
